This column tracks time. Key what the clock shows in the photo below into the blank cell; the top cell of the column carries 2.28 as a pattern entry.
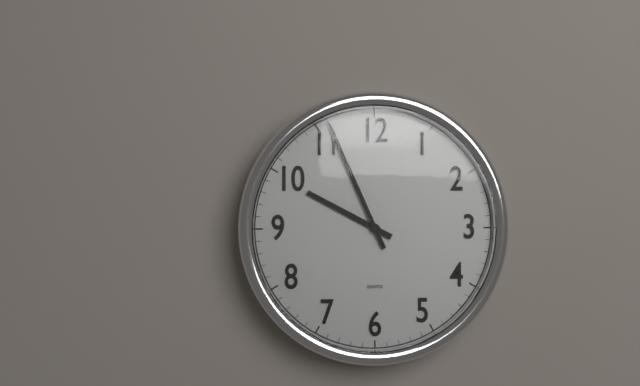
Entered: 9.56
